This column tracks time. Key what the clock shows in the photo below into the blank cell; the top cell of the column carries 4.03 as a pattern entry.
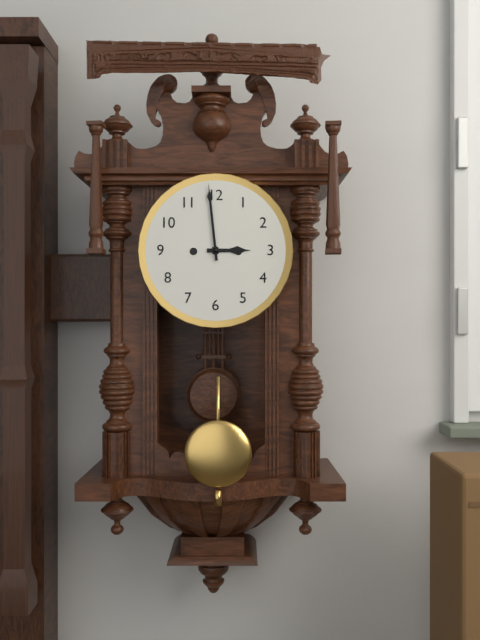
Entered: 2.59
